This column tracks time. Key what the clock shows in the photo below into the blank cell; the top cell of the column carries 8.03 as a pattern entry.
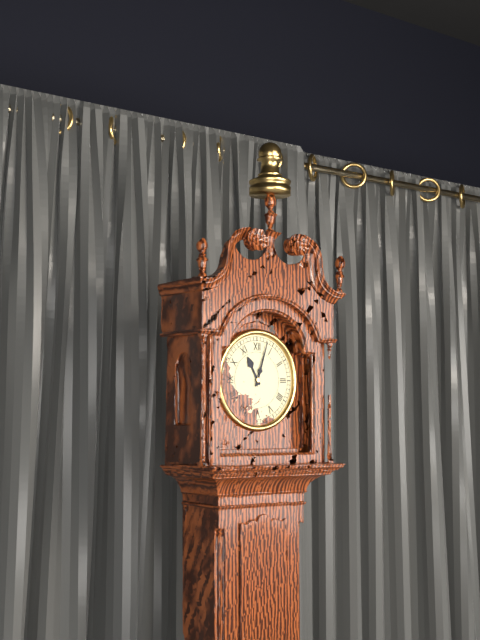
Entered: 11.03
